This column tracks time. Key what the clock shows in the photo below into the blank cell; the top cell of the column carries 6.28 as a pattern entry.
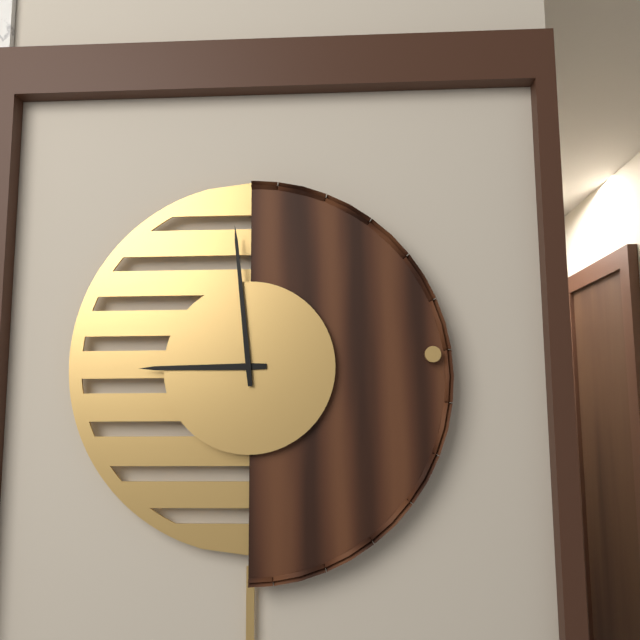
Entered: 8.59
